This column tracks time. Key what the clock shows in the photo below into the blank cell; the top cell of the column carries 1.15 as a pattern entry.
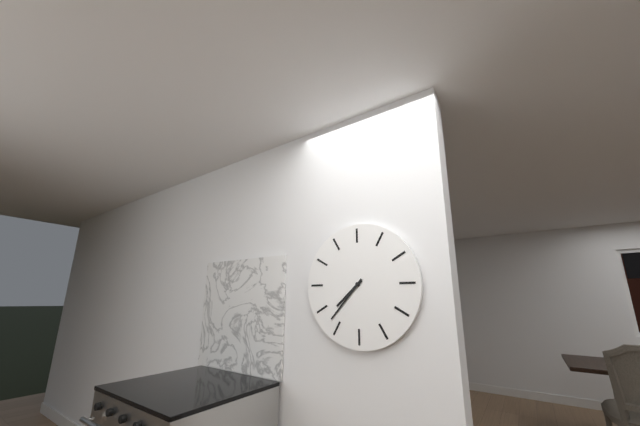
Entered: 7.37
